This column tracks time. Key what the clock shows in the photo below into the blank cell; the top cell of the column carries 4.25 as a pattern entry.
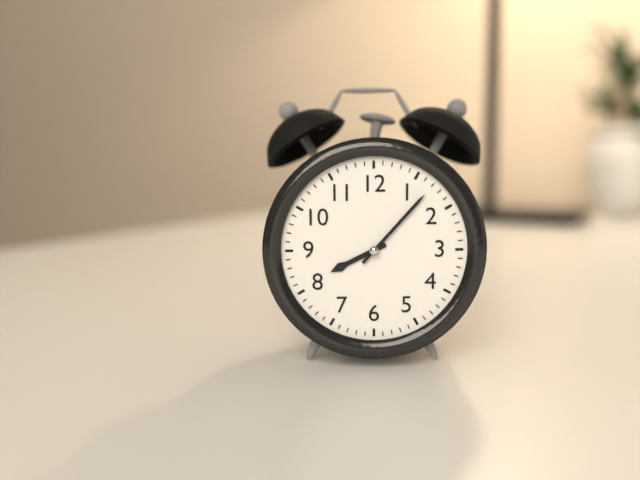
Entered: 8.07
